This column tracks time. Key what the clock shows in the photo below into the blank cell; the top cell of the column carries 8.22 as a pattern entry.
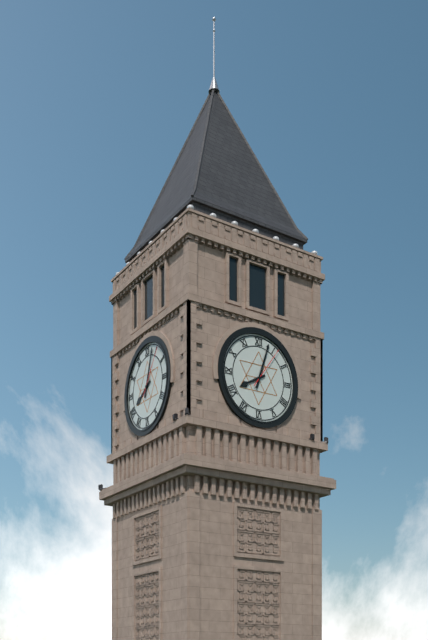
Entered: 8.03
